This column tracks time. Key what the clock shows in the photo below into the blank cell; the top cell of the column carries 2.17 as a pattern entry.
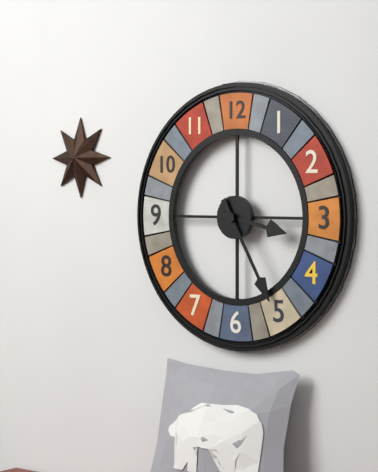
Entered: 3.25
